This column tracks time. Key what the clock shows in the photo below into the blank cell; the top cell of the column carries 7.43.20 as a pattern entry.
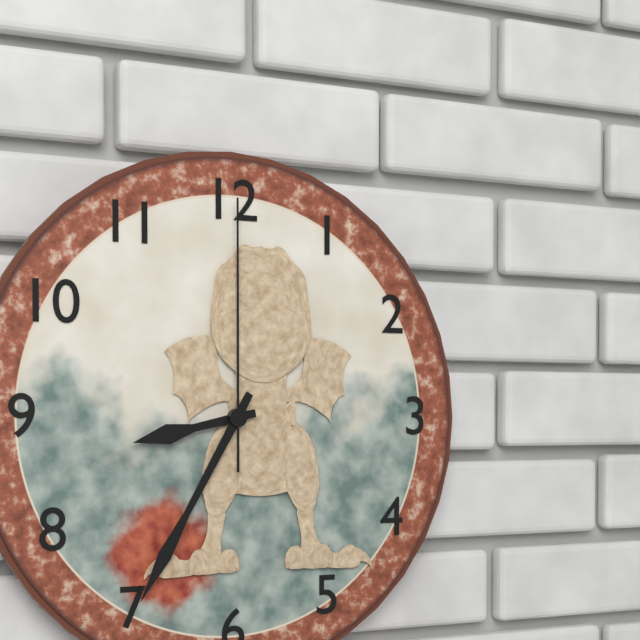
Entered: 8.35.00
